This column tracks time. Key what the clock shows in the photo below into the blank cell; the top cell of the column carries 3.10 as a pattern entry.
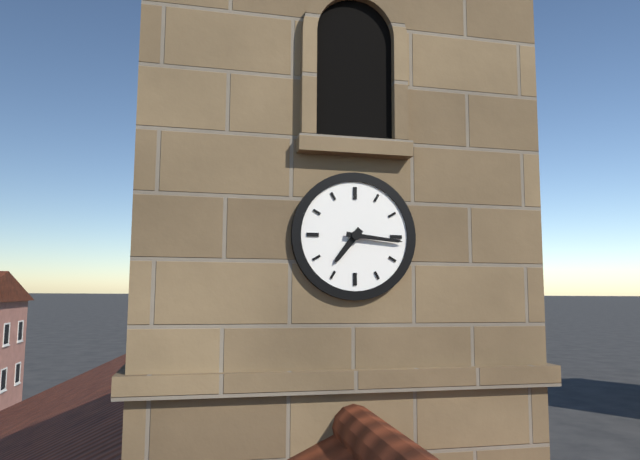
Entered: 7.16
